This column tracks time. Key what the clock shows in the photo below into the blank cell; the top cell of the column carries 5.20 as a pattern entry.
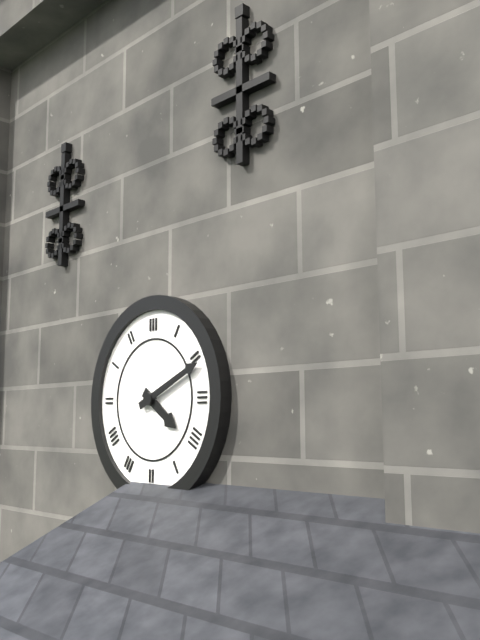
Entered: 4.11
